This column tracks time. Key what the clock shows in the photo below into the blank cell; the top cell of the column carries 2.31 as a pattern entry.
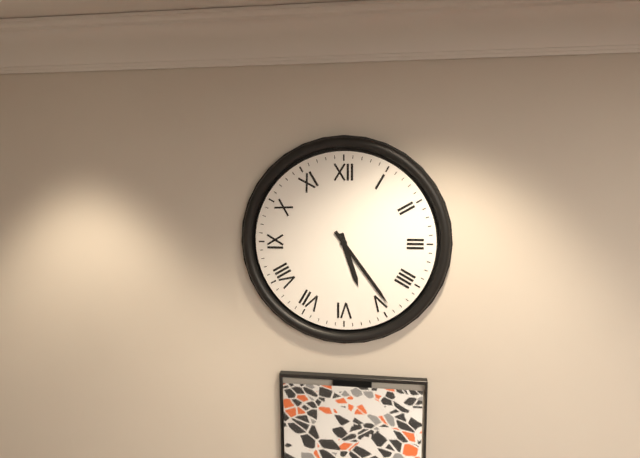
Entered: 5.24
